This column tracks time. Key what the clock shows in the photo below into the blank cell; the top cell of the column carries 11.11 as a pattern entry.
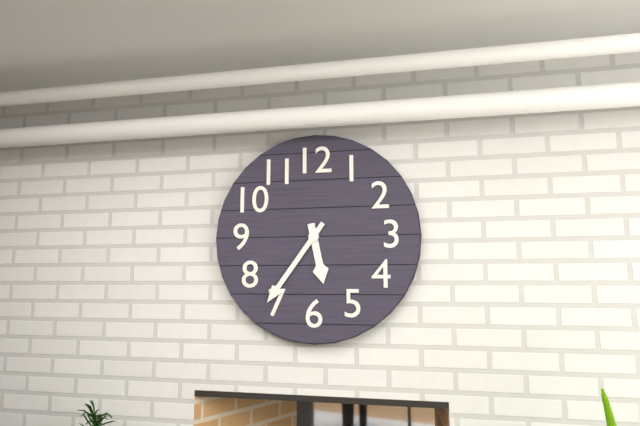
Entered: 5.36
